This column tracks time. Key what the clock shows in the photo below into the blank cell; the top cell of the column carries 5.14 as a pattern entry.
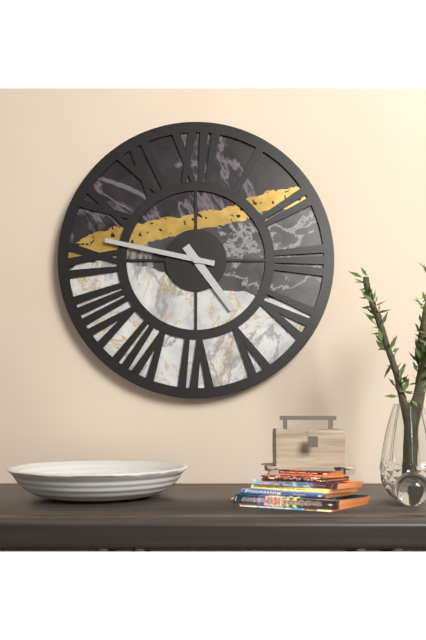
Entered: 4.47
